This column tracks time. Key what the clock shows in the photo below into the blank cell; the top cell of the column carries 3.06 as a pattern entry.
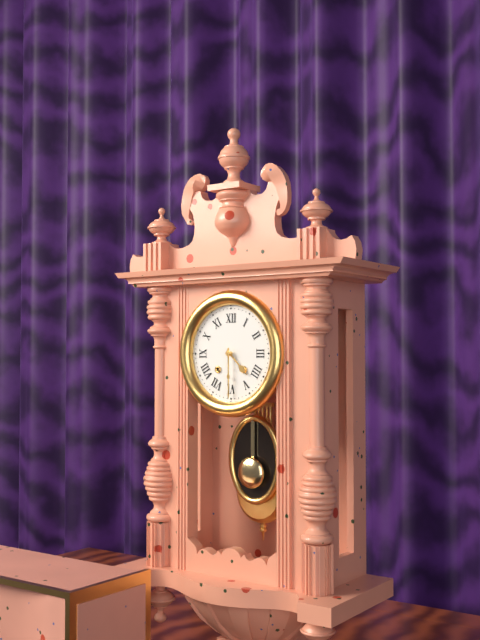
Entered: 4.30
